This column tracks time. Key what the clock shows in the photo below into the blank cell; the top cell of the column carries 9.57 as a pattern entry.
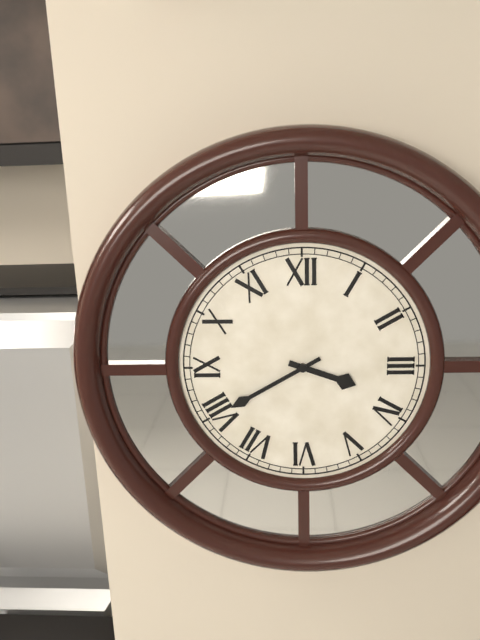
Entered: 3.40
